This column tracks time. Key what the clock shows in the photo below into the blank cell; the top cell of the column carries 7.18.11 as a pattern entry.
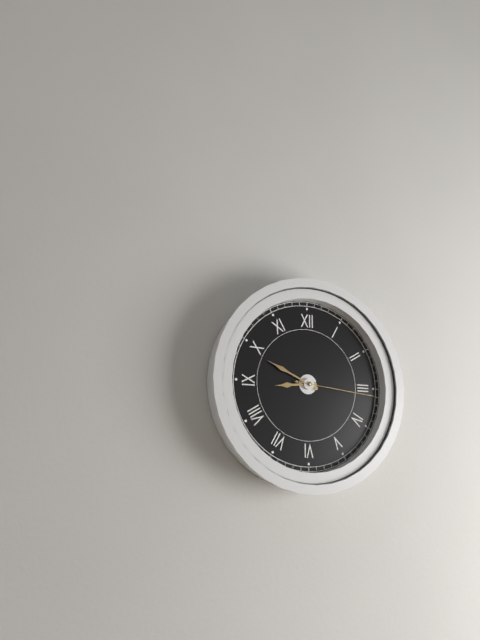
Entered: 8.49.16
